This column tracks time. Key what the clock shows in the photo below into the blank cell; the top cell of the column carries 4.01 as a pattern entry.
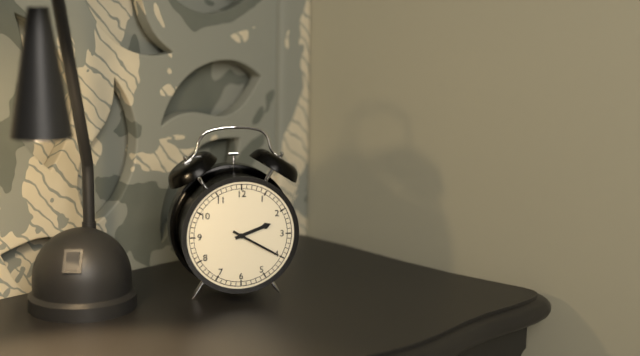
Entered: 2.20
